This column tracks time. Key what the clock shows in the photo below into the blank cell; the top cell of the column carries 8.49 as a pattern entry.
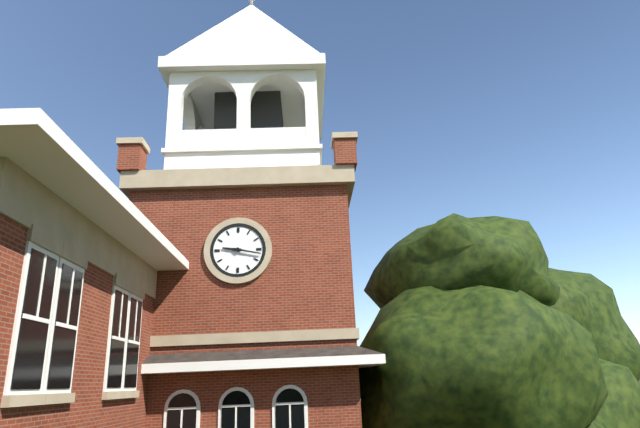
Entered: 9.17
